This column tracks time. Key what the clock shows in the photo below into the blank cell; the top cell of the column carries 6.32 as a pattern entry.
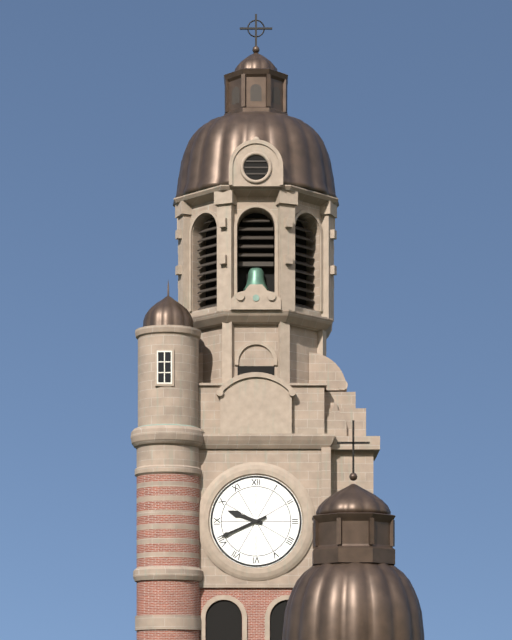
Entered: 9.41
